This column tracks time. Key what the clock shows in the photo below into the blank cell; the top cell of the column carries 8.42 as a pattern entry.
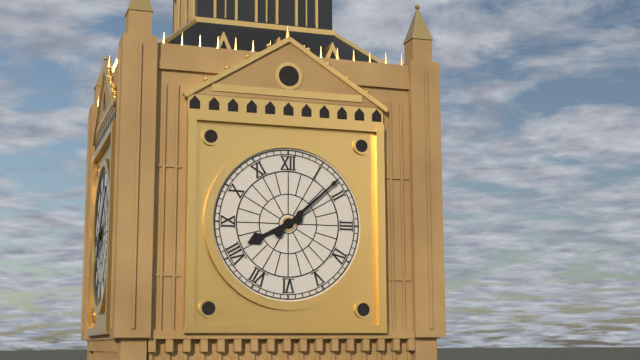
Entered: 8.08
